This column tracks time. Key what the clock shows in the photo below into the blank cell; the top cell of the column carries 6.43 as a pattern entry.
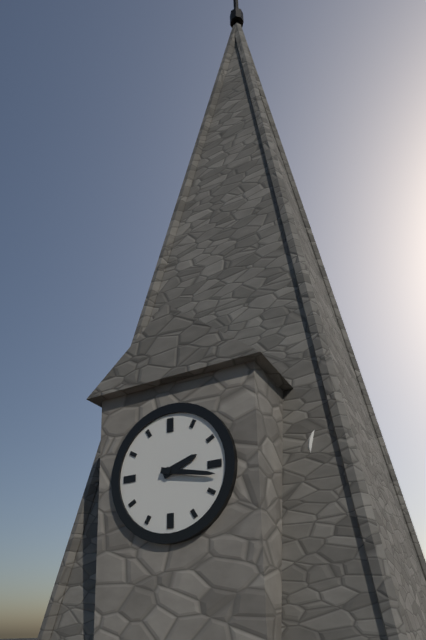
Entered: 2.17
